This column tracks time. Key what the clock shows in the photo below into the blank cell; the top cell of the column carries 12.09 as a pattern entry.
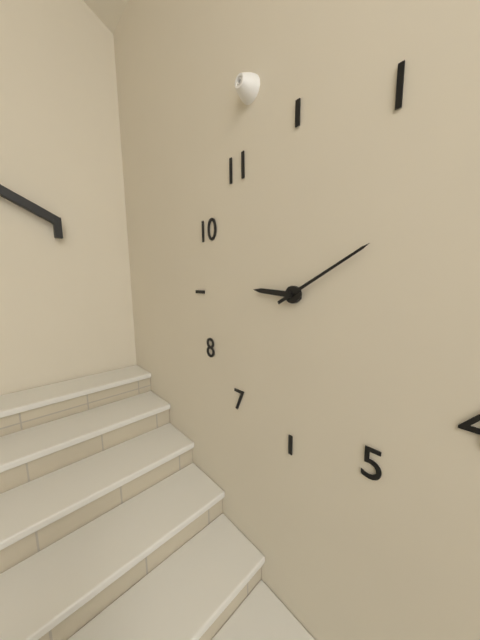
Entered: 9.10
